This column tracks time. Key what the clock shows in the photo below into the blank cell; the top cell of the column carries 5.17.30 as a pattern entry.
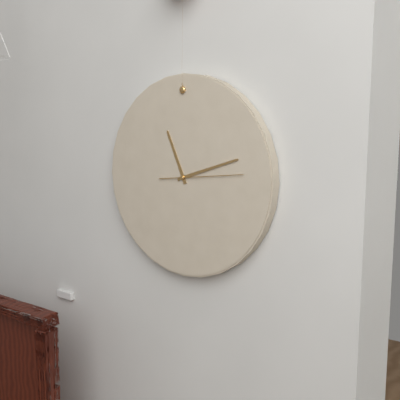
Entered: 11.12.14
